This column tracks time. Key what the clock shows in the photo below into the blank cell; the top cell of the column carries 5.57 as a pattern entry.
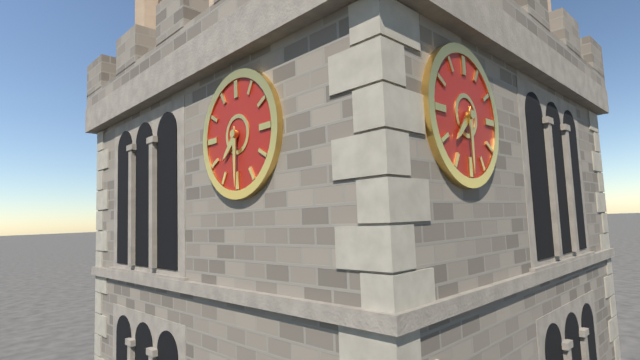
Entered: 7.30
